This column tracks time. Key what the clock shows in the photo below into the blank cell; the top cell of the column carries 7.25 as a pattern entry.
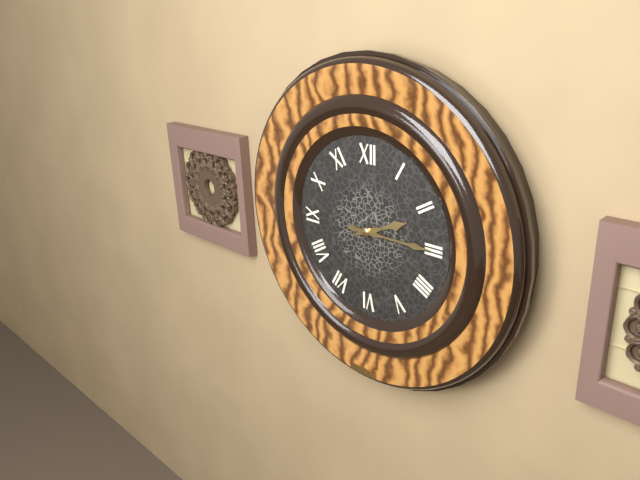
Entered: 2.15
